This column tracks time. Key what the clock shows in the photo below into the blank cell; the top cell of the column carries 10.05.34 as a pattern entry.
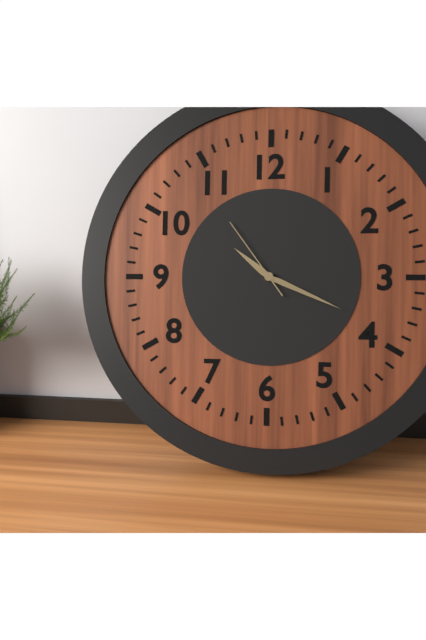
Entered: 10.19.54
